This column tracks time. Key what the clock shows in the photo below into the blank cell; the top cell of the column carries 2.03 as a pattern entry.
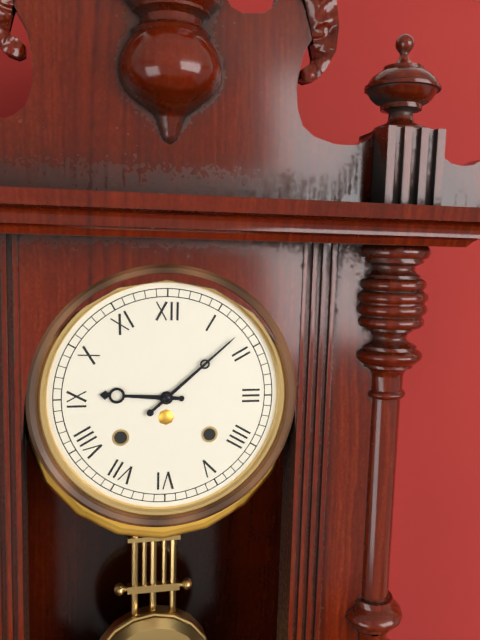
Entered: 9.08
